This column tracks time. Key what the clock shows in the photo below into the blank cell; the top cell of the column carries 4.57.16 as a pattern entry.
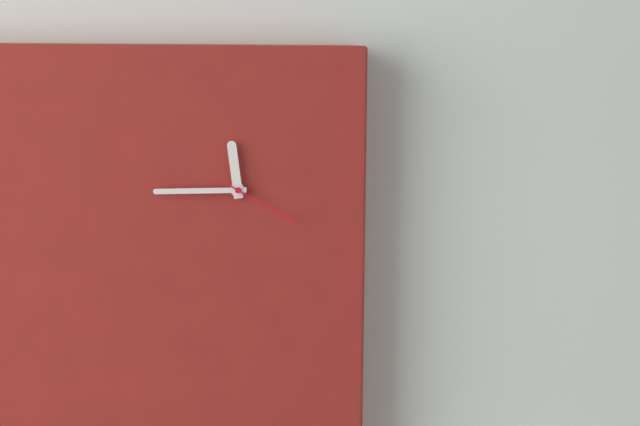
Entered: 11.45.20
